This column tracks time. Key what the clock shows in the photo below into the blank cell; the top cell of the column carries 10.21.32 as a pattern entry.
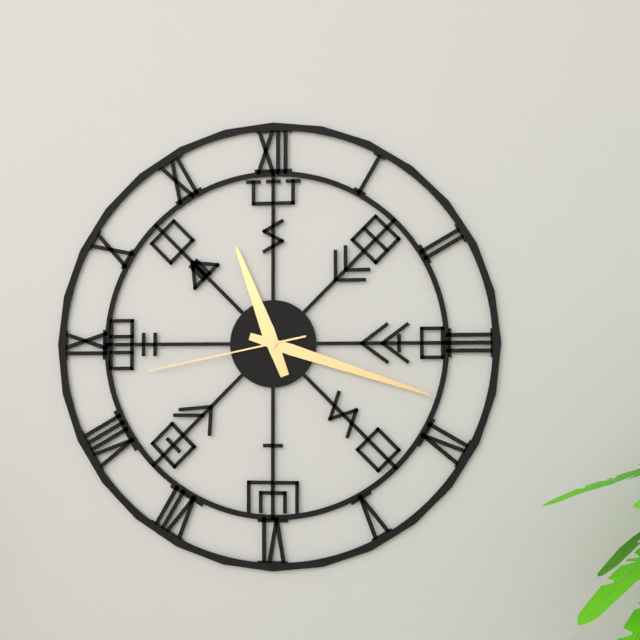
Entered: 11.18.43
